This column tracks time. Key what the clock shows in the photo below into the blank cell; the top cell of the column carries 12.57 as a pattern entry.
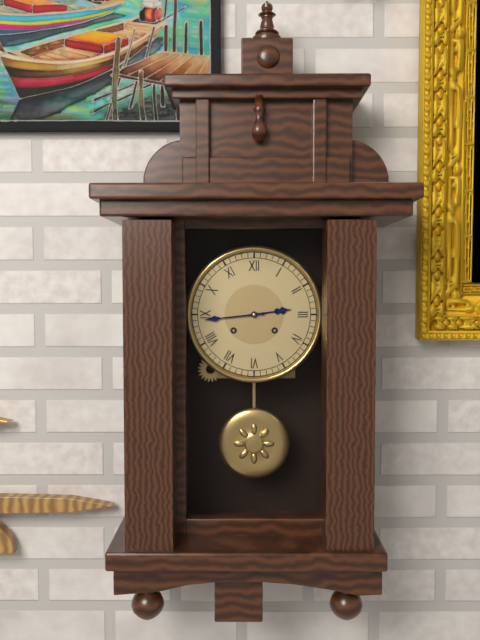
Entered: 2.44
